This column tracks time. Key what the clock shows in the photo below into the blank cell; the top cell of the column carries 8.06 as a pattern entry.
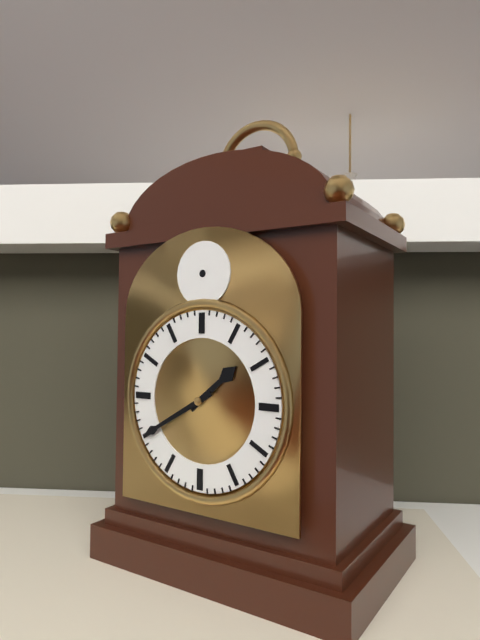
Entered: 1.40
